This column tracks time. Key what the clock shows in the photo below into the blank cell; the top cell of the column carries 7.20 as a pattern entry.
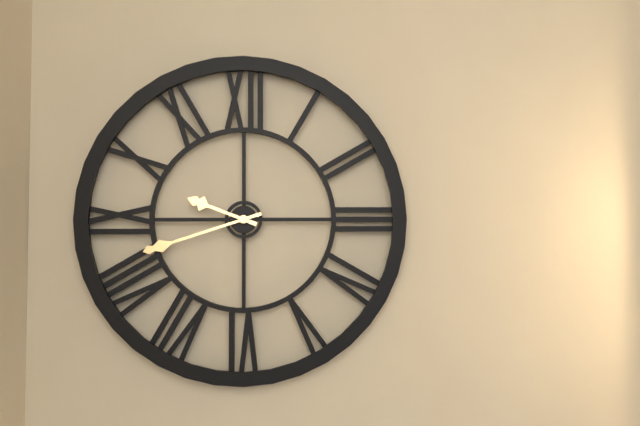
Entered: 9.42
